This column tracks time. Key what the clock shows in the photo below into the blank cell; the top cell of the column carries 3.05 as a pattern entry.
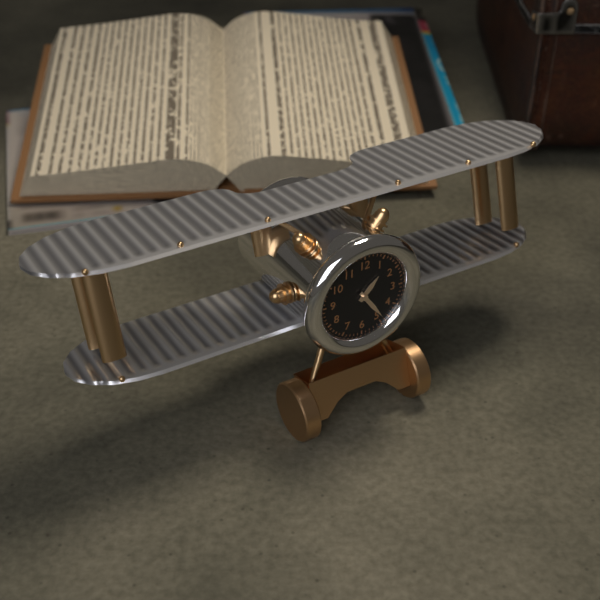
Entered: 1.24
